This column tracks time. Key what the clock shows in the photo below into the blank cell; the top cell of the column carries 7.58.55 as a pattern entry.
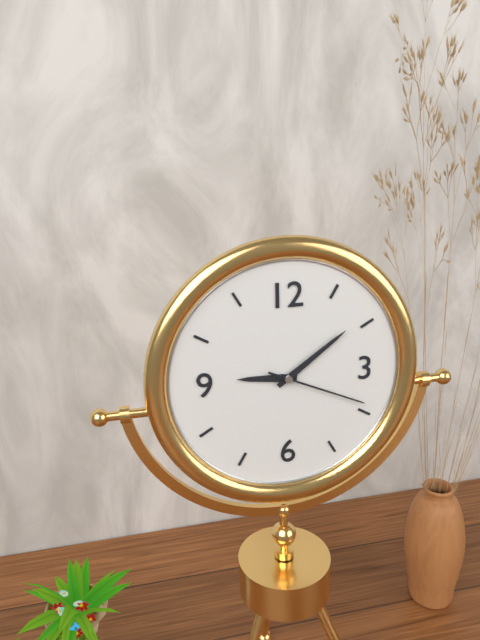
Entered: 9.09.19
